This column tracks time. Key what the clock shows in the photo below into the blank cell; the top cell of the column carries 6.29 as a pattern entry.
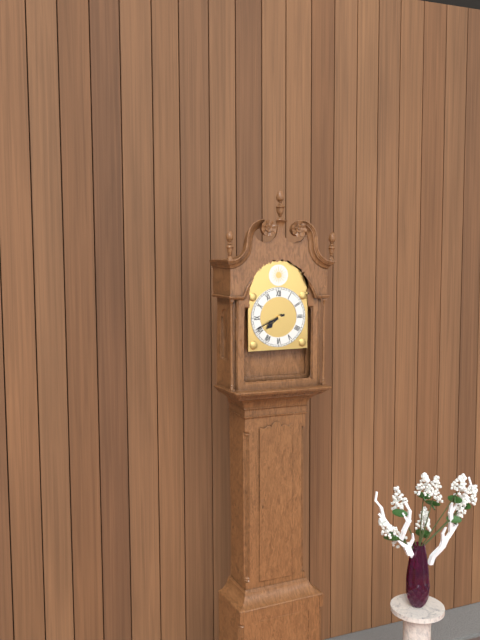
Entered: 7.41
